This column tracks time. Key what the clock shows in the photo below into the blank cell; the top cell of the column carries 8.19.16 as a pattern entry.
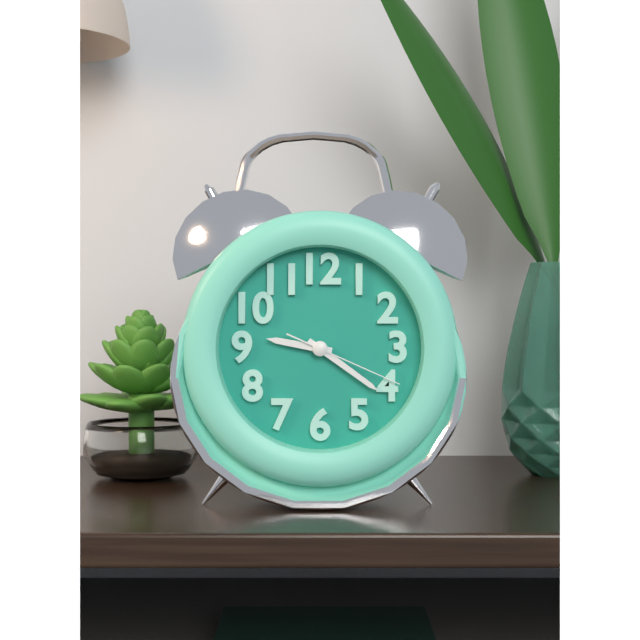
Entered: 9.21.19
